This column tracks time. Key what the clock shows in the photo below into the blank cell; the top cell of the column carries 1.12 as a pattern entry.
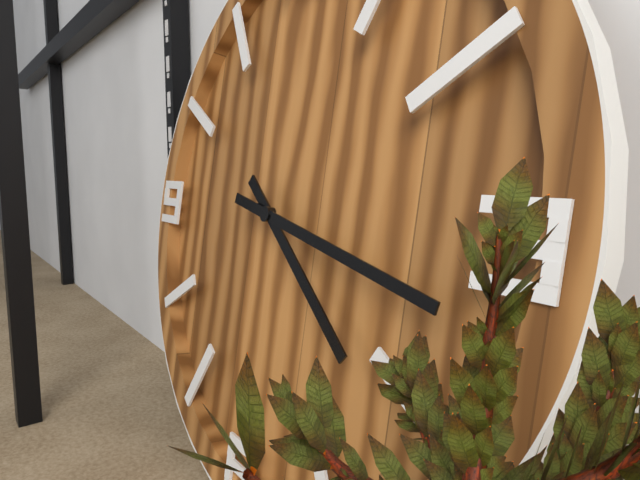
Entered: 4.17
